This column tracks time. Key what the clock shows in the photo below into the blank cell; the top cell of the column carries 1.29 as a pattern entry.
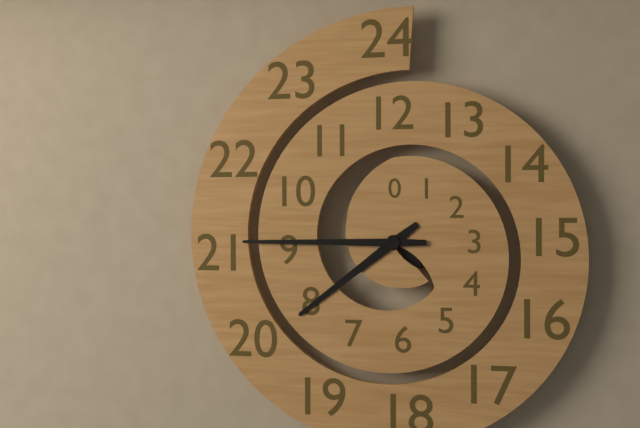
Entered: 7.45
